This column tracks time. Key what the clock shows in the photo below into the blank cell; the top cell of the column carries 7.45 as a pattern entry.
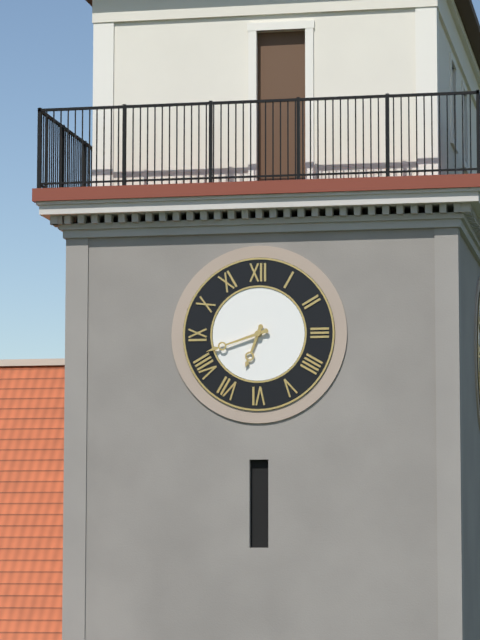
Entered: 6.42
